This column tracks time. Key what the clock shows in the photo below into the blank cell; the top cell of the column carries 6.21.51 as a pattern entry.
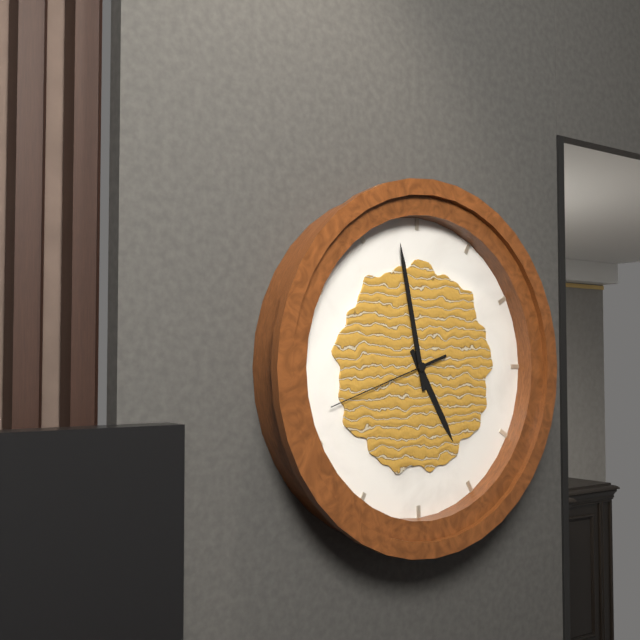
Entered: 4.58.42
